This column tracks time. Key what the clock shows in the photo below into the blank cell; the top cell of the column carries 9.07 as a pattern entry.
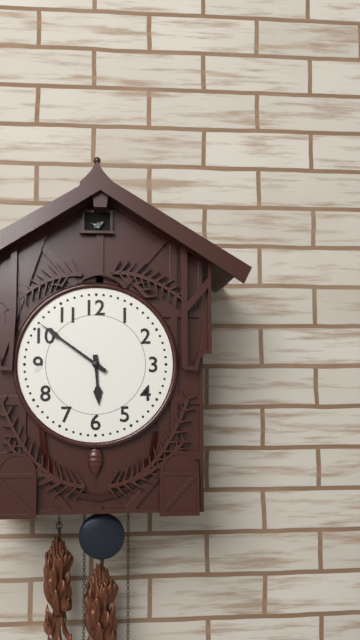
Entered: 5.51
